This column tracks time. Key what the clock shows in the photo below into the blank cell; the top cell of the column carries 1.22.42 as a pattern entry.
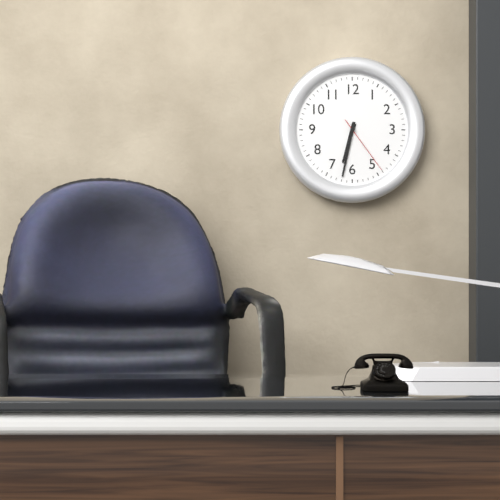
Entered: 6.32.24
